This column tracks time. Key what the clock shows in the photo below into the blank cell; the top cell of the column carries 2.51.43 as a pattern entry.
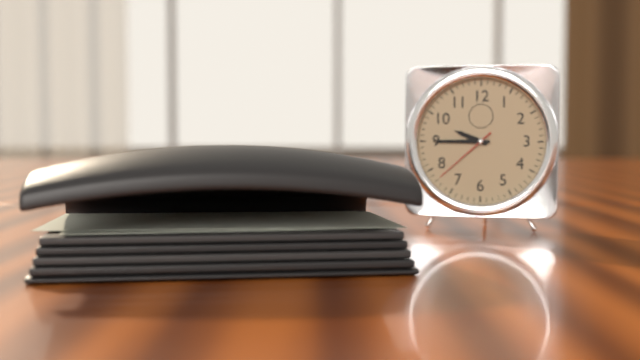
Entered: 9.45.38
